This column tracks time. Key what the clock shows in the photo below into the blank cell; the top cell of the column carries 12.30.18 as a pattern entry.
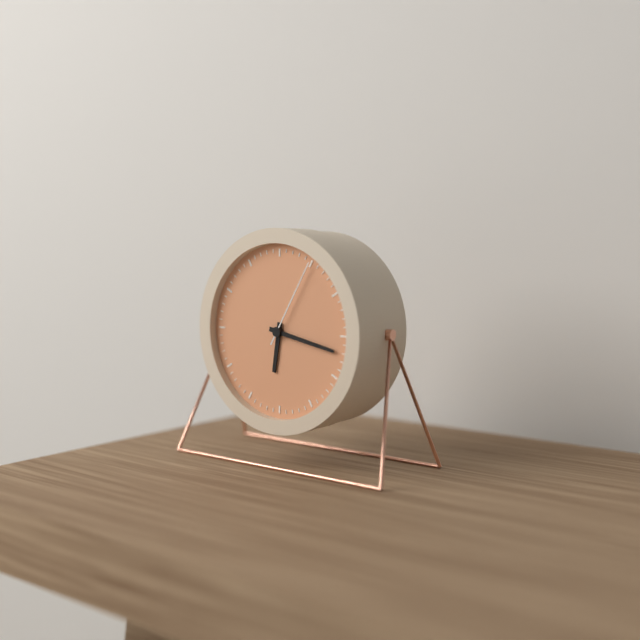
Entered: 6.17.05
